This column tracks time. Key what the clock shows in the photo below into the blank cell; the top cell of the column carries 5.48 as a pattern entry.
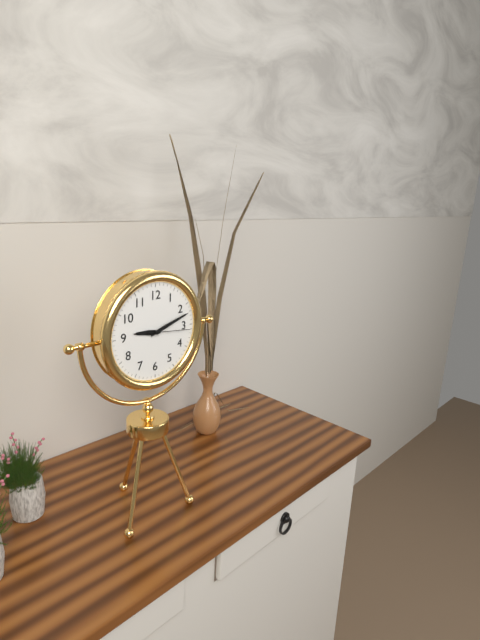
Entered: 9.12
